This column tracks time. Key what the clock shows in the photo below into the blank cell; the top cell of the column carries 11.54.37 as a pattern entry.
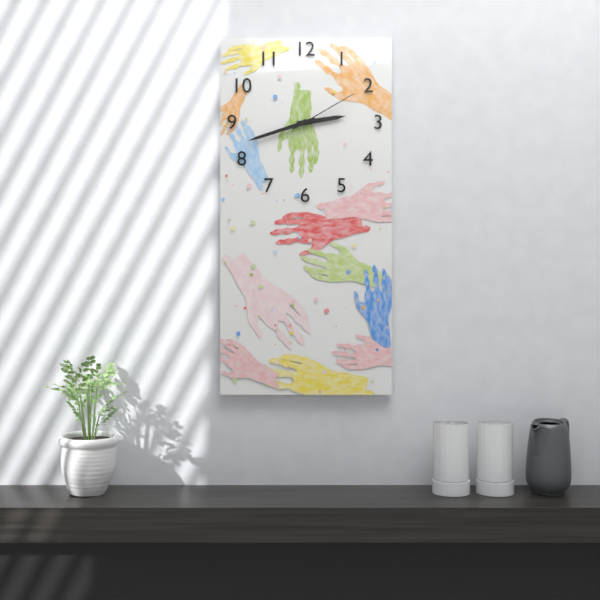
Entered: 2.42.10
